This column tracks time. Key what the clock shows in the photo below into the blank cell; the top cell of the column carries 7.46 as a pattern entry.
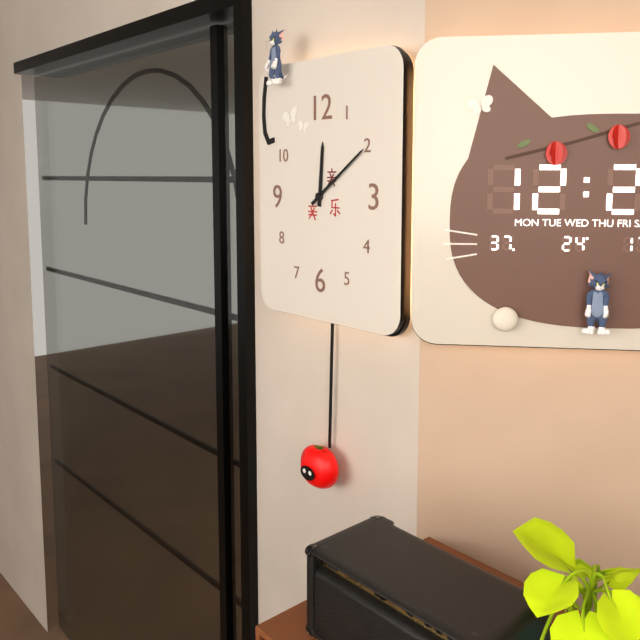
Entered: 12.09
